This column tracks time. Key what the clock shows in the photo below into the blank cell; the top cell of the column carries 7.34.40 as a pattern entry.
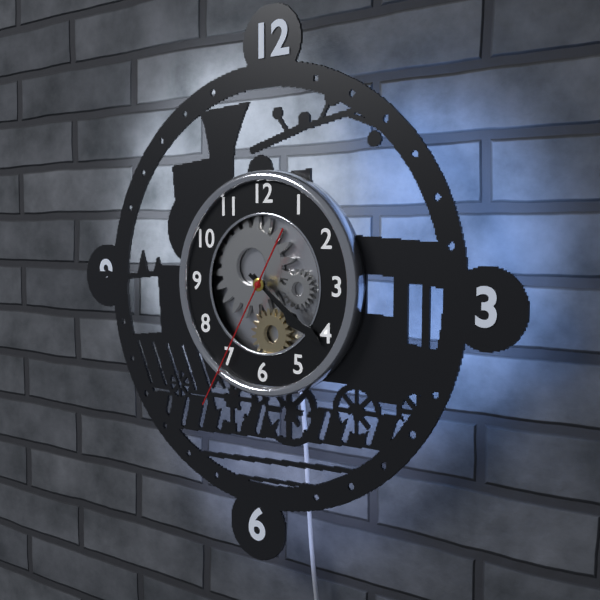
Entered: 4.21.35
